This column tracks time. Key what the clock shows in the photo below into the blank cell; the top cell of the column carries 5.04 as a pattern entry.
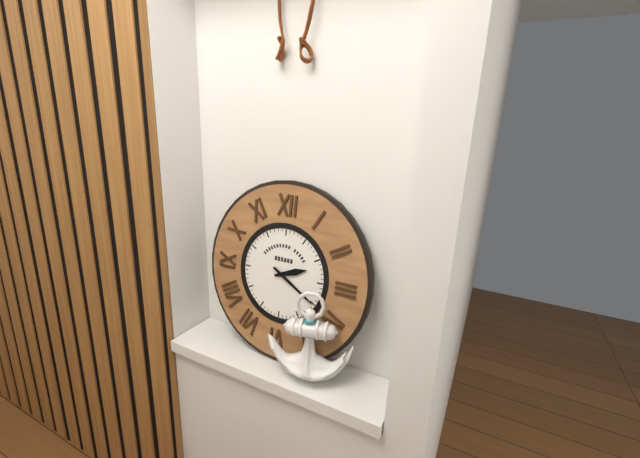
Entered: 2.20
